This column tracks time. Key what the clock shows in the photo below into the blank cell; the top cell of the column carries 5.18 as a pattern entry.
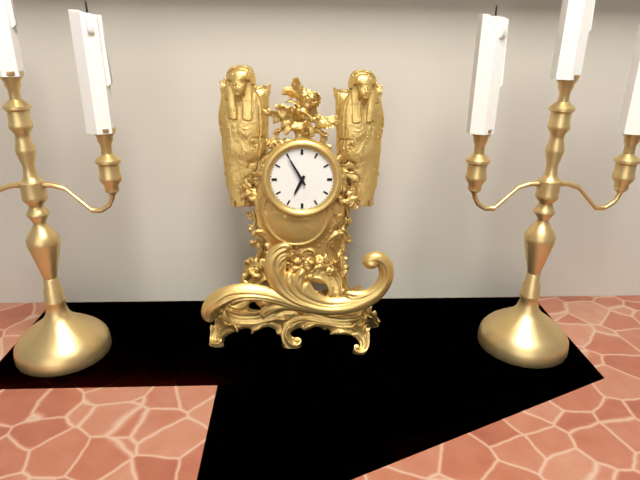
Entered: 6.55
